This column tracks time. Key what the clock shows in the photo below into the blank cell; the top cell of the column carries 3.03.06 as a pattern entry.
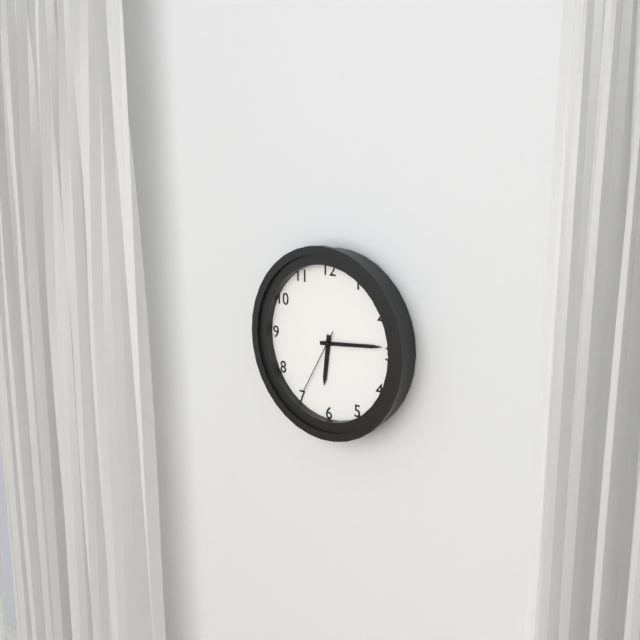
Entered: 6.14.35
